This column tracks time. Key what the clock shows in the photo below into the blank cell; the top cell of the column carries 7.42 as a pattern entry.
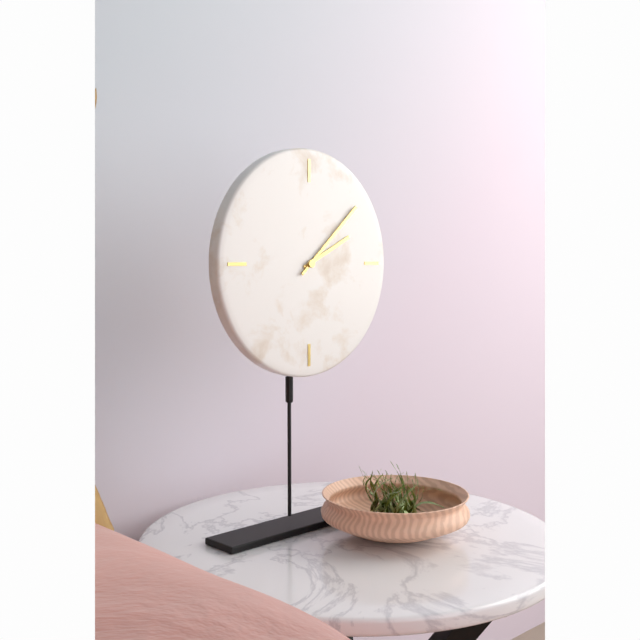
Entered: 2.08
